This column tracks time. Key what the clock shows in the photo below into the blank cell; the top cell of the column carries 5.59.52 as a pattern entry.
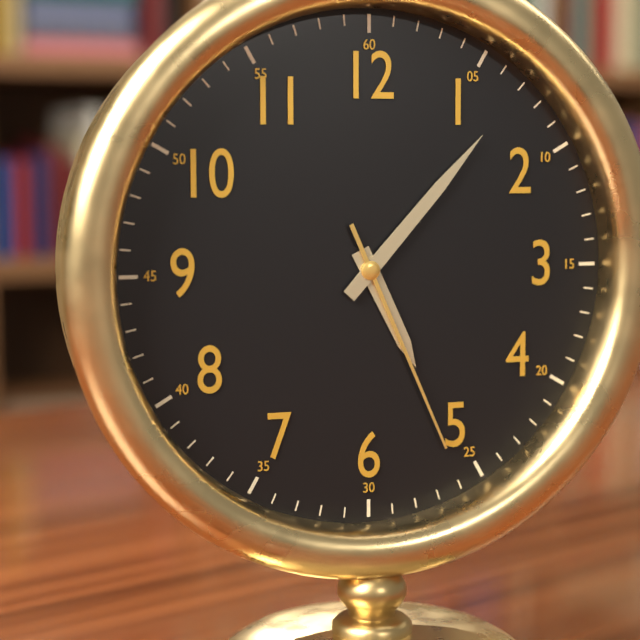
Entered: 5.07.26
